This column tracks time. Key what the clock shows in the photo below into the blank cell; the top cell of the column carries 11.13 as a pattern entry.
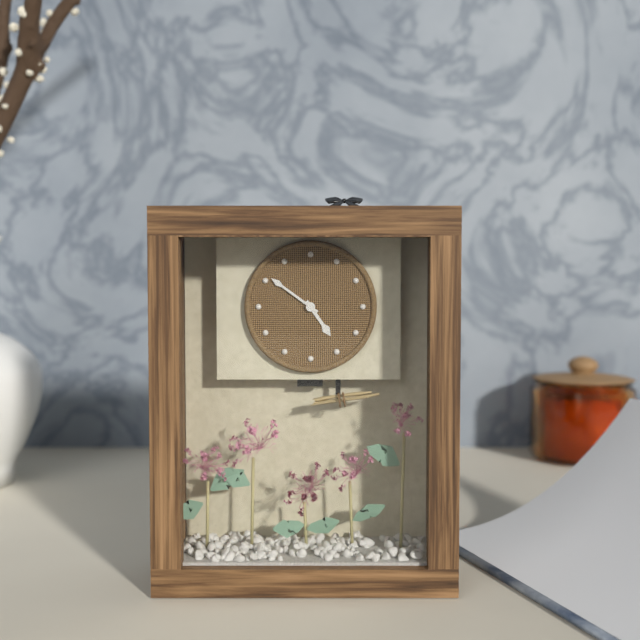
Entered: 4.51
